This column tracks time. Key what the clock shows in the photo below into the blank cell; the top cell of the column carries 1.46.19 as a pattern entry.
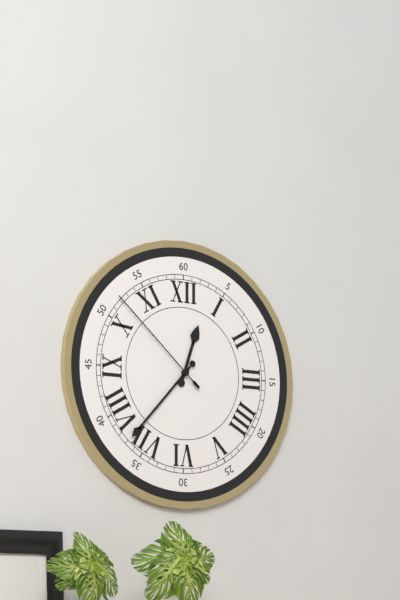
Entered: 12.37.52
